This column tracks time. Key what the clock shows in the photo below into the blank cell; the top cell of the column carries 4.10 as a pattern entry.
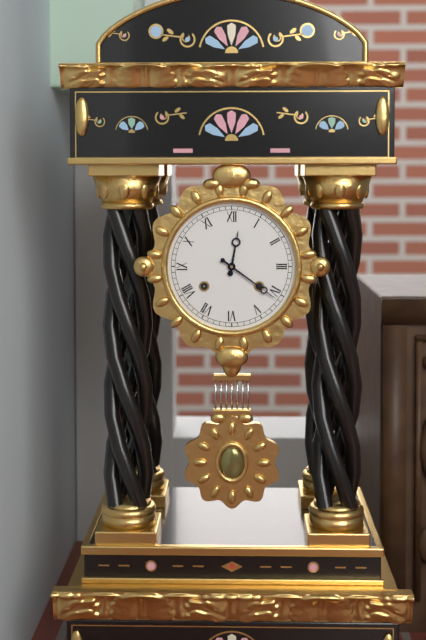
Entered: 12.21
